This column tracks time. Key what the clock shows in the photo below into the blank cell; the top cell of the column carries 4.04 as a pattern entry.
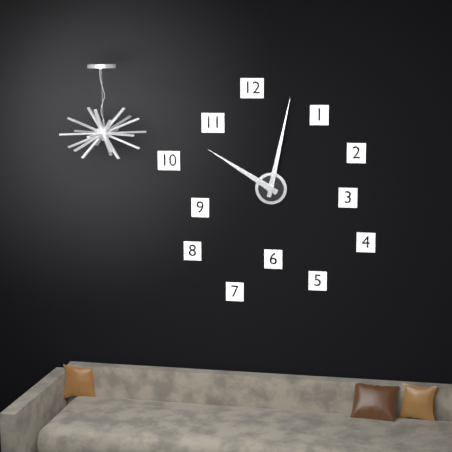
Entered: 10.02
